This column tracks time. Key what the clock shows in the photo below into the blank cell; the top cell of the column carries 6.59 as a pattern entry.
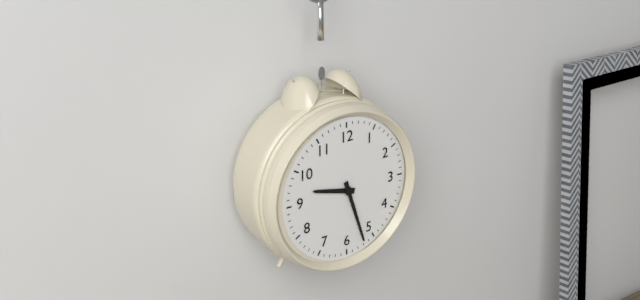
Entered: 9.27
